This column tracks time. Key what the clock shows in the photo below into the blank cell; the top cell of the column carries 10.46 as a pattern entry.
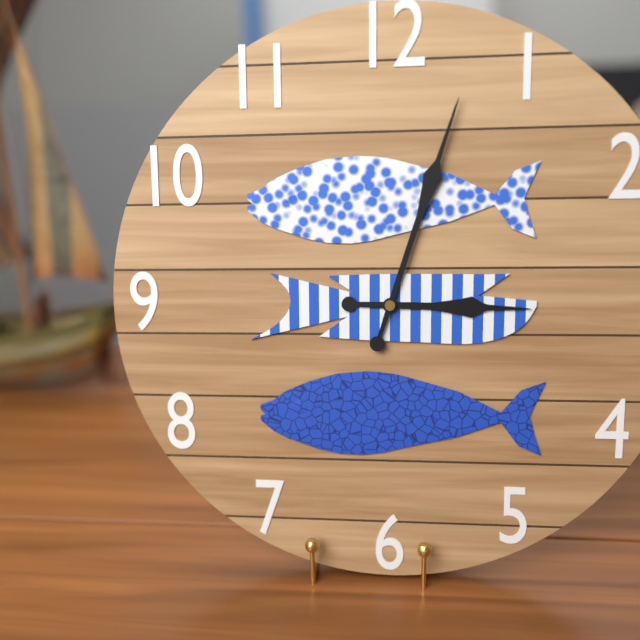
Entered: 3.03
